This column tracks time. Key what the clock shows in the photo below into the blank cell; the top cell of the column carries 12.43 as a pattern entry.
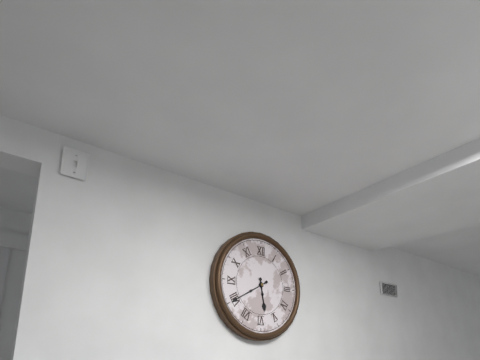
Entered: 5.40
